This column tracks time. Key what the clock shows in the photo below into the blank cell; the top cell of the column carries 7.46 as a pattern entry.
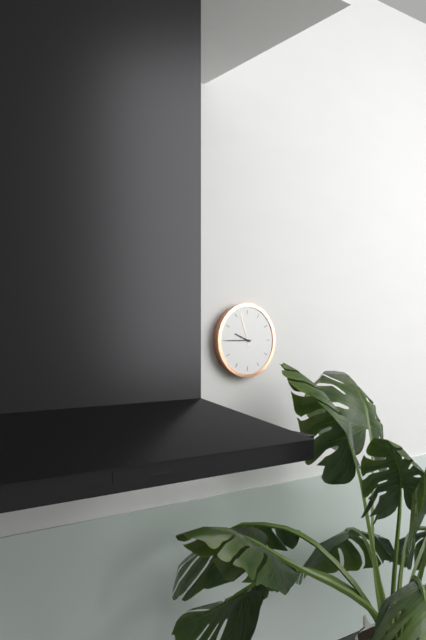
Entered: 9.45
